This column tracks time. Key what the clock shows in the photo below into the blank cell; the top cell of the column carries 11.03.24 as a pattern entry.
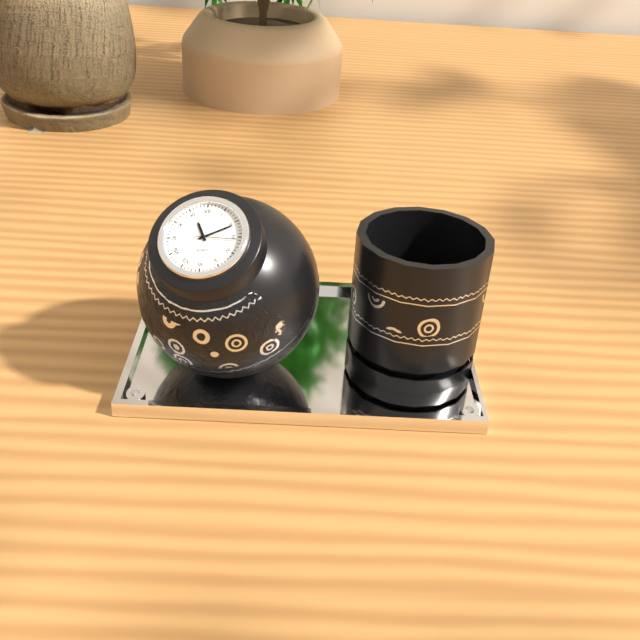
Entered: 11.11.16
